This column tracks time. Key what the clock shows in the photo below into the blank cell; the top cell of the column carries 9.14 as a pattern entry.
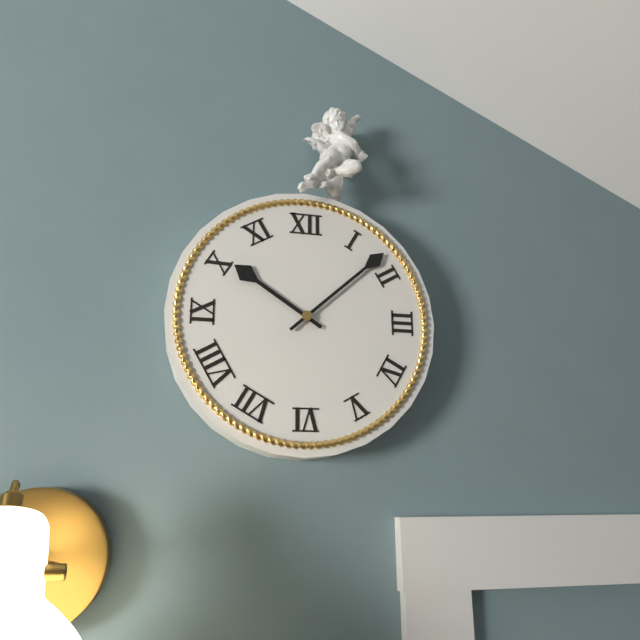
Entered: 10.08
